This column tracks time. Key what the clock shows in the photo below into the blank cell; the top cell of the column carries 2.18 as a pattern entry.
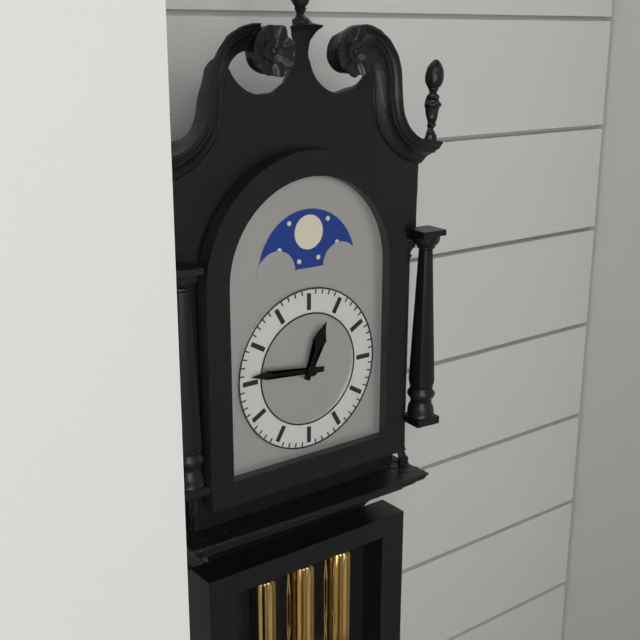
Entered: 12.46
